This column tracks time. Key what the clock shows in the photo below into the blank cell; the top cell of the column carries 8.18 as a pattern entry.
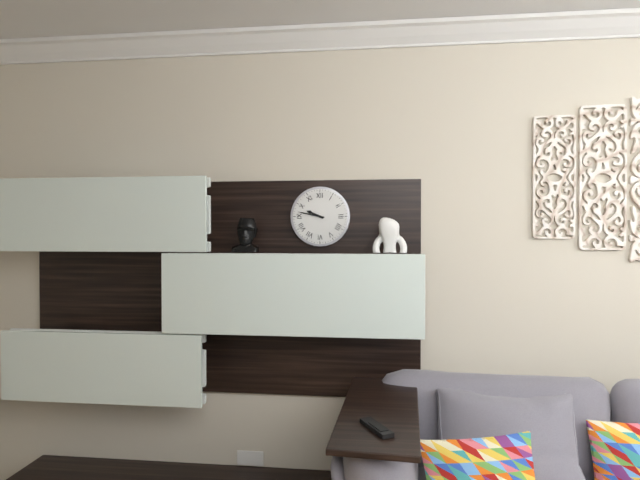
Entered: 9.47
